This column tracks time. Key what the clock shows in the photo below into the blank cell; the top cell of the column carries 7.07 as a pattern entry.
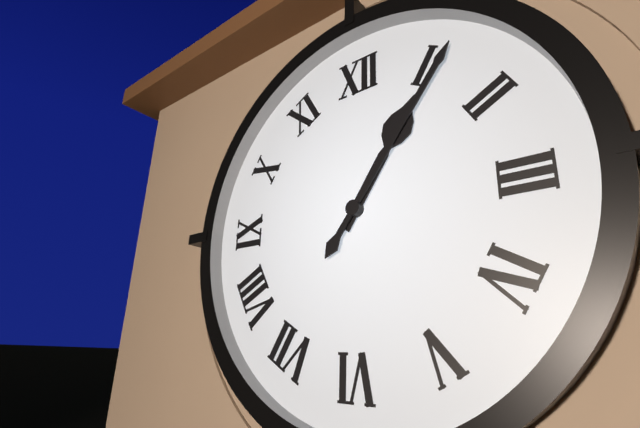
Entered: 1.06
